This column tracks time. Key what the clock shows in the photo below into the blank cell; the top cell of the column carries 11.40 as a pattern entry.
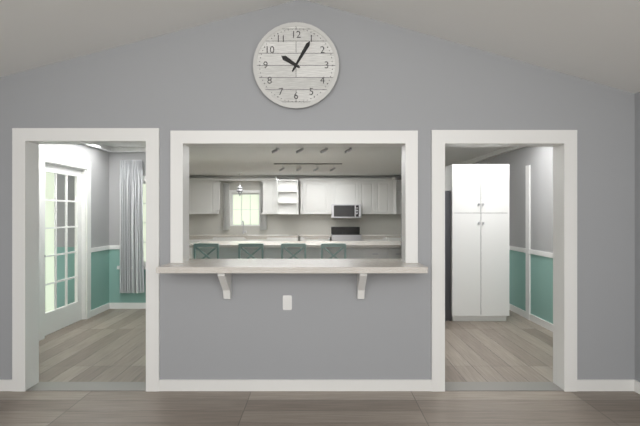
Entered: 10.05
